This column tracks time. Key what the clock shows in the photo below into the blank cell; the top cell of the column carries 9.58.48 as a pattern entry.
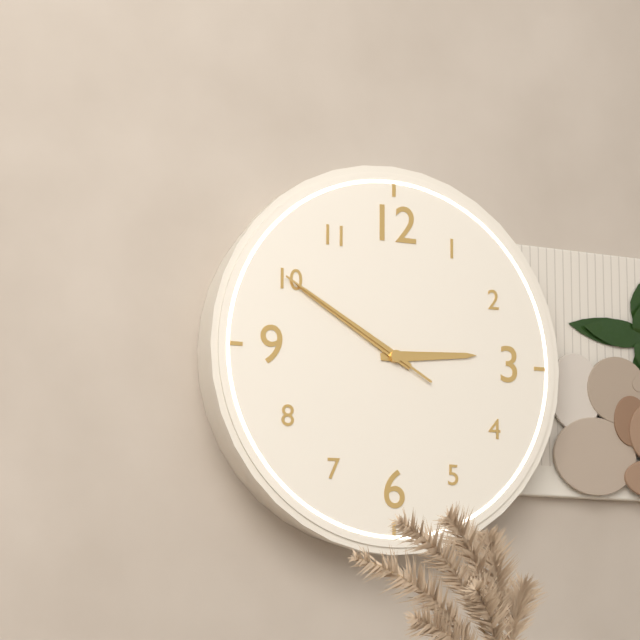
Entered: 2.50.50
